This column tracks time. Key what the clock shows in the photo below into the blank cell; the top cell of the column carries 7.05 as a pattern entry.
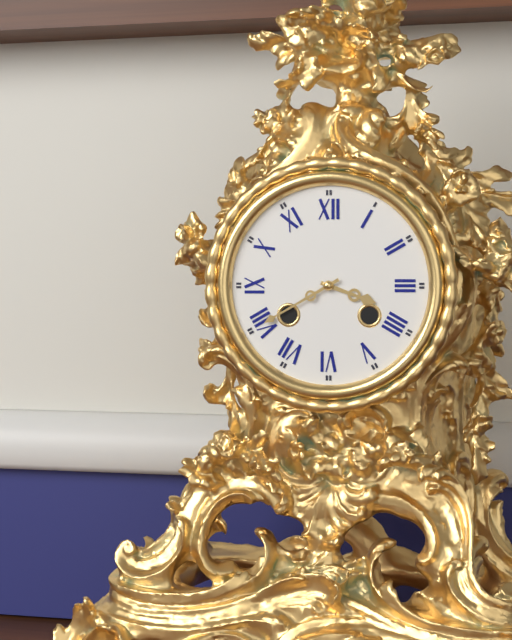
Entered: 3.40
